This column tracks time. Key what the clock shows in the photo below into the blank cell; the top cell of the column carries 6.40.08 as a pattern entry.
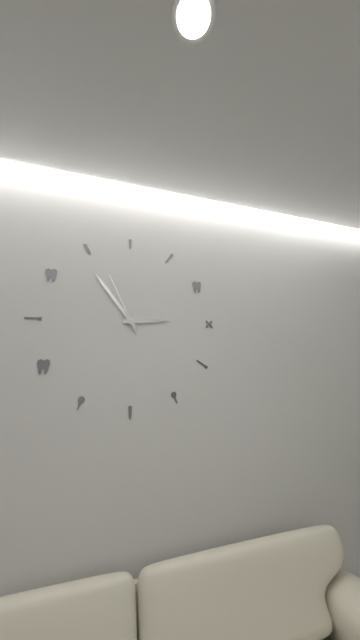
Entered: 2.54.56
